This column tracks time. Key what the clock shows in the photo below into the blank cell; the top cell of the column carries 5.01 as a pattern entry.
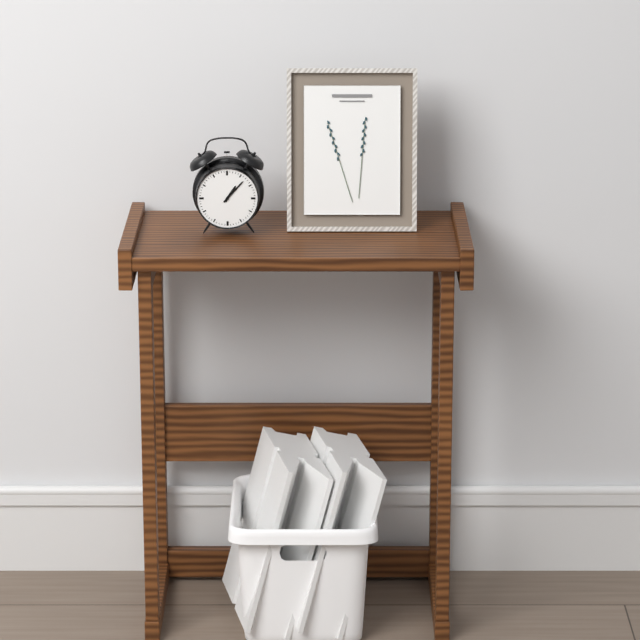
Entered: 1.07
